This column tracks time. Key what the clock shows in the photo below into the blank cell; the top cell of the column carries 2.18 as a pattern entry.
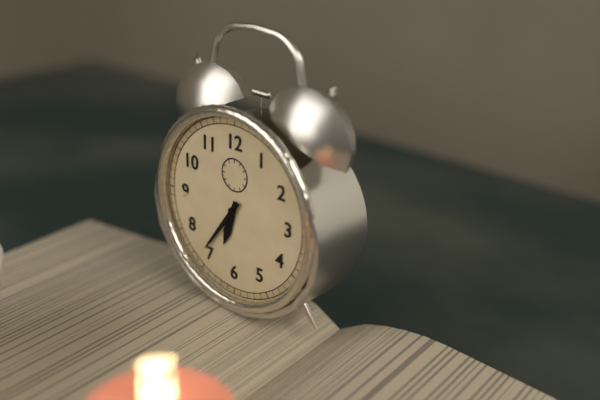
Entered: 6.36
